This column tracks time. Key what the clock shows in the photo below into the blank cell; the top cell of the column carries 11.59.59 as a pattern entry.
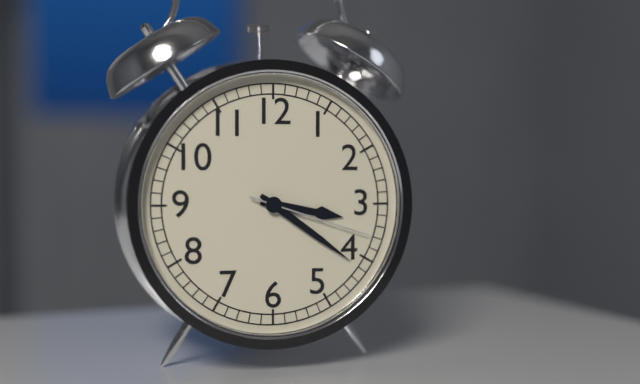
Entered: 3.21.18
